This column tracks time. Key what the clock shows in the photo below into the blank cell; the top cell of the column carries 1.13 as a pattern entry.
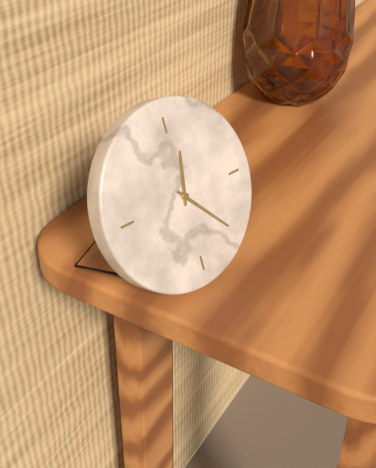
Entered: 12.23
